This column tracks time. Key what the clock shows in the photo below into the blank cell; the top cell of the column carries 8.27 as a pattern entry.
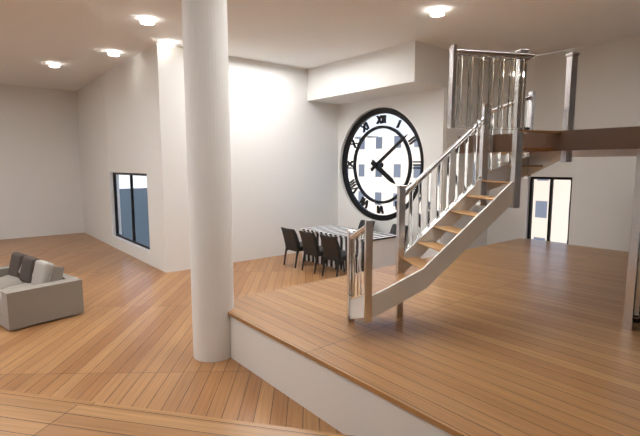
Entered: 4.09
